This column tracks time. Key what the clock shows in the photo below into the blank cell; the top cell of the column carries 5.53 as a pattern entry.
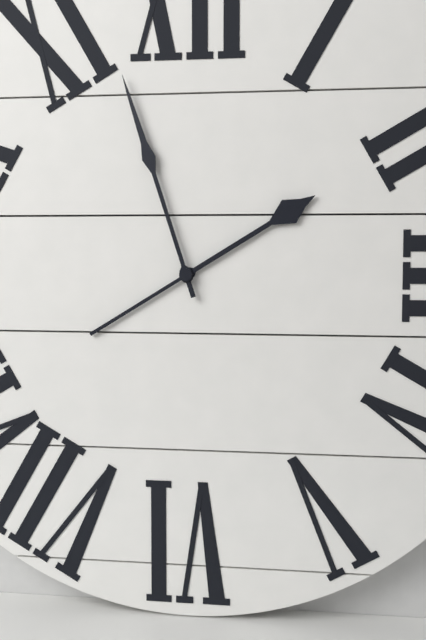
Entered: 1.57
